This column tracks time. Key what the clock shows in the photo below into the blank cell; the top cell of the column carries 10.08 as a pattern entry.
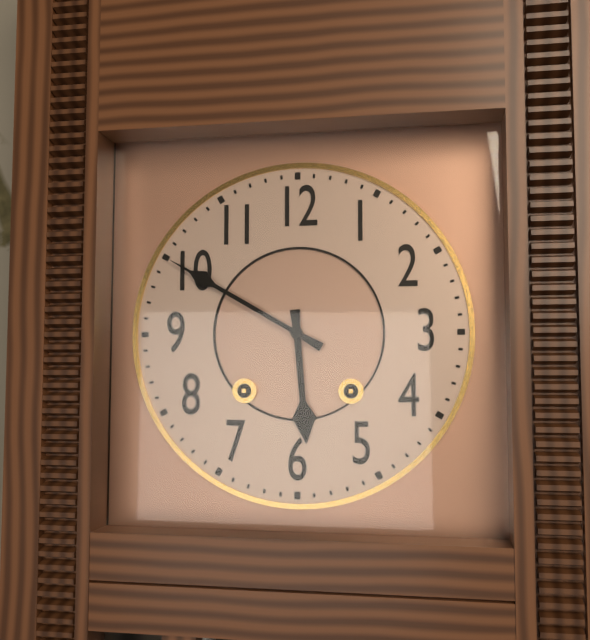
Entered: 5.50
